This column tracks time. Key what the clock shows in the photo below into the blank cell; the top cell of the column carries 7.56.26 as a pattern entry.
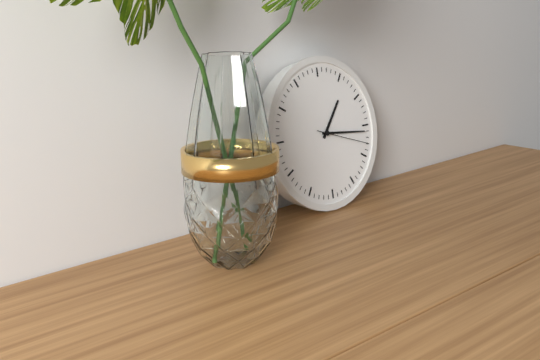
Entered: 1.16.18
